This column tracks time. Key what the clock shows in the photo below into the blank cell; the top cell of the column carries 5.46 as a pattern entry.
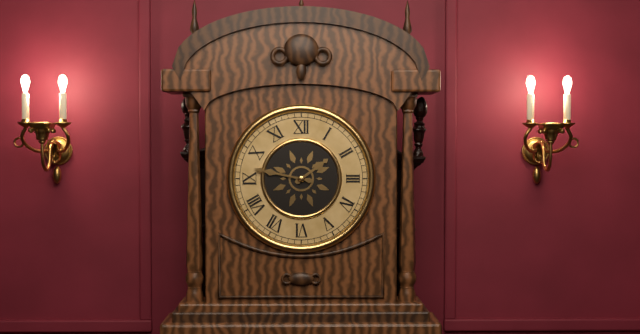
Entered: 1.47
